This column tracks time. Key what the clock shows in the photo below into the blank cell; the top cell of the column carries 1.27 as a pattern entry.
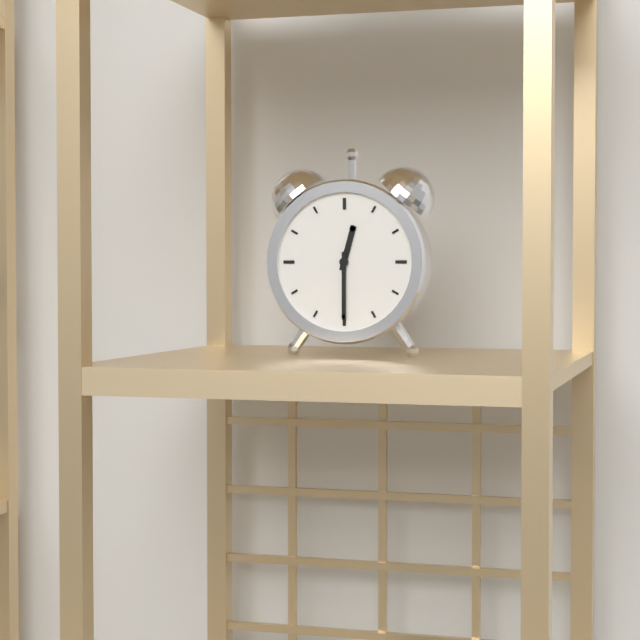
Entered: 12.30
